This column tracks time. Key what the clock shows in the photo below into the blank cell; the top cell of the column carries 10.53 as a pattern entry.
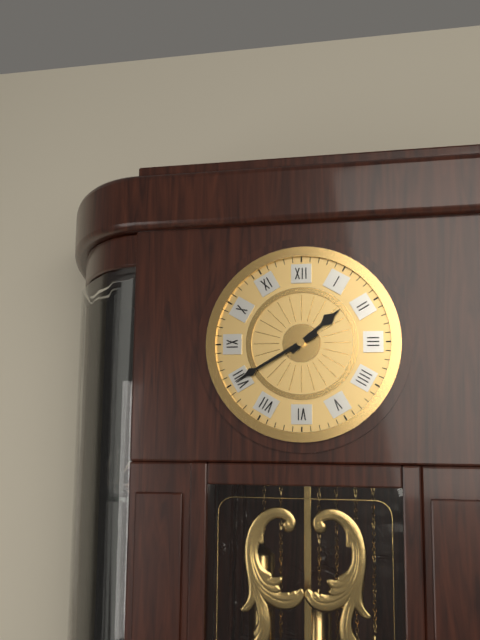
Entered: 1.40
